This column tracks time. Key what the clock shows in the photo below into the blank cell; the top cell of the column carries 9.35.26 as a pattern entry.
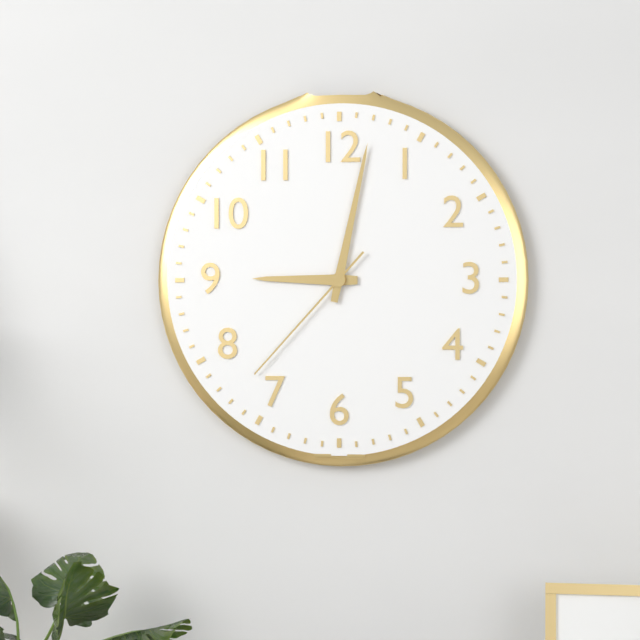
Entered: 9.02.37
